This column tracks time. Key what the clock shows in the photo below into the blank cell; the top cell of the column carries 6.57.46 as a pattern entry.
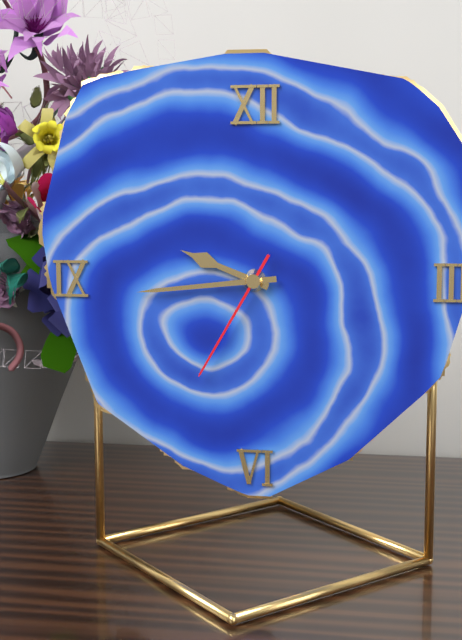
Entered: 9.44.35
